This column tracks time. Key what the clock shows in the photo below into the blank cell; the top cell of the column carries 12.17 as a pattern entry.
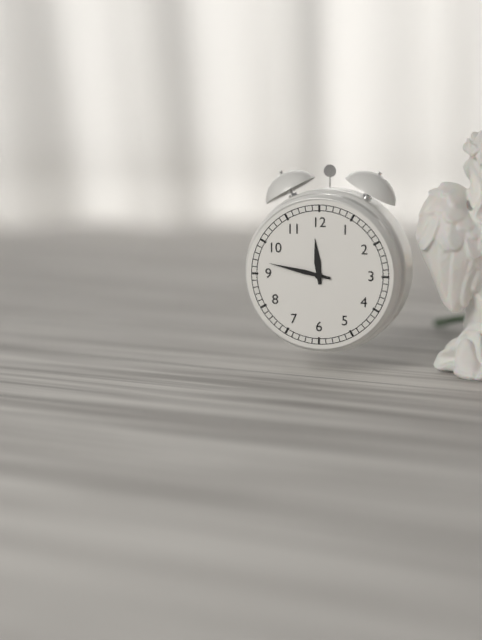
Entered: 11.47
